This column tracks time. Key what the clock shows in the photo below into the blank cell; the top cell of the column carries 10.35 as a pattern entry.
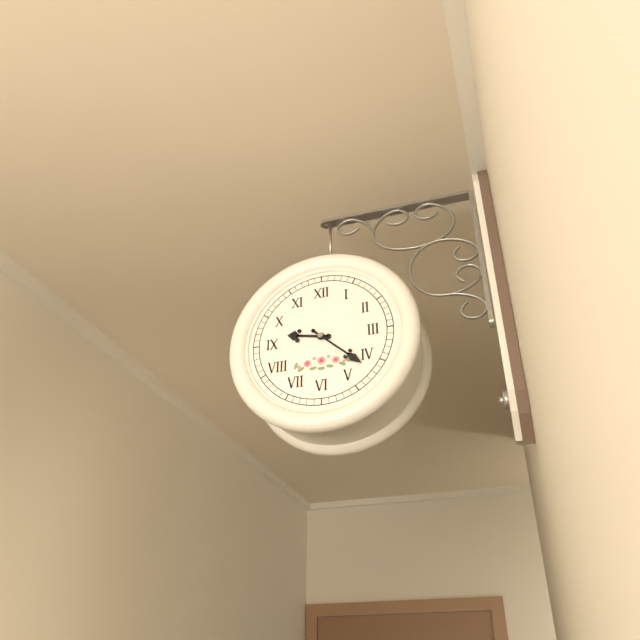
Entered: 9.22
